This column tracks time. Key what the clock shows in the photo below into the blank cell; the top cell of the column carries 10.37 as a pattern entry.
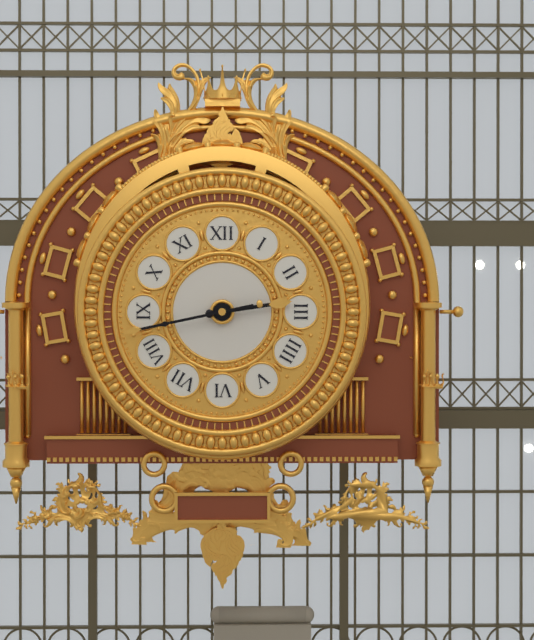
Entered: 2.43
